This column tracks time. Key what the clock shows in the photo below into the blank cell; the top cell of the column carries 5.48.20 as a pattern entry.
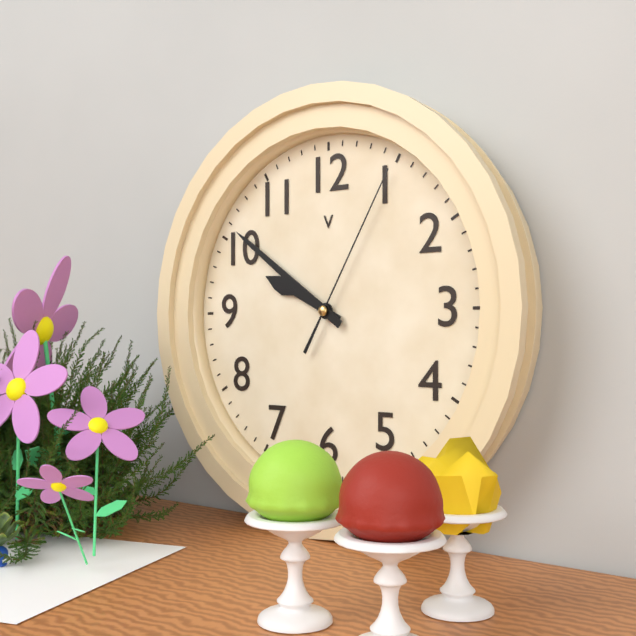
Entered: 9.51.05
